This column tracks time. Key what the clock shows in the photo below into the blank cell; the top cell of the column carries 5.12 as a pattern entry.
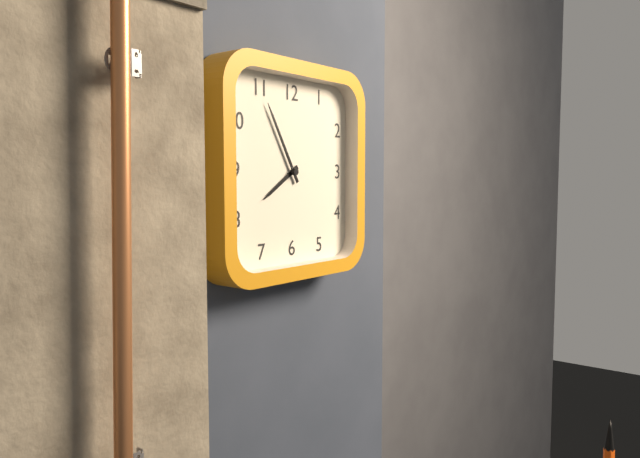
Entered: 7.55
